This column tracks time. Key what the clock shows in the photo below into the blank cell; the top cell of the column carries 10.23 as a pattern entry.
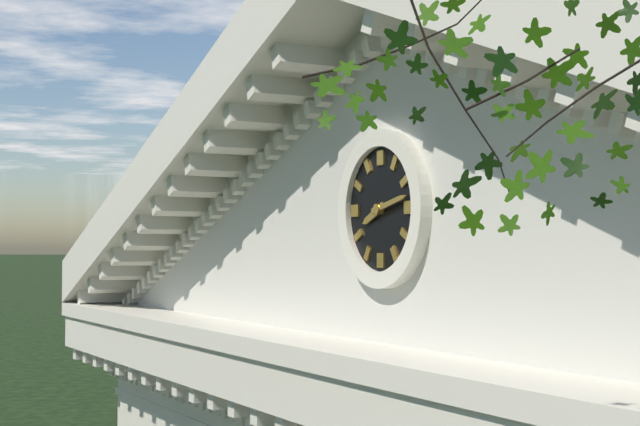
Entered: 8.13
